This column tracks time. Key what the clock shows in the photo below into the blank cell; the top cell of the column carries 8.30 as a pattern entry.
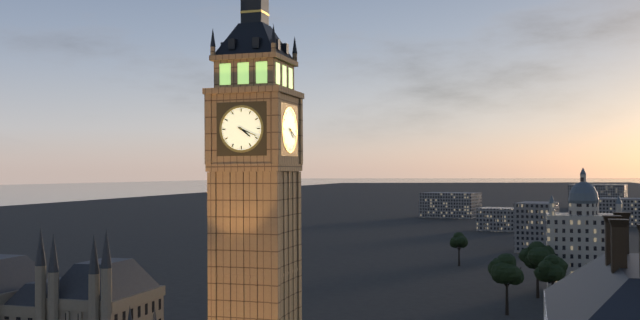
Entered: 4.19
